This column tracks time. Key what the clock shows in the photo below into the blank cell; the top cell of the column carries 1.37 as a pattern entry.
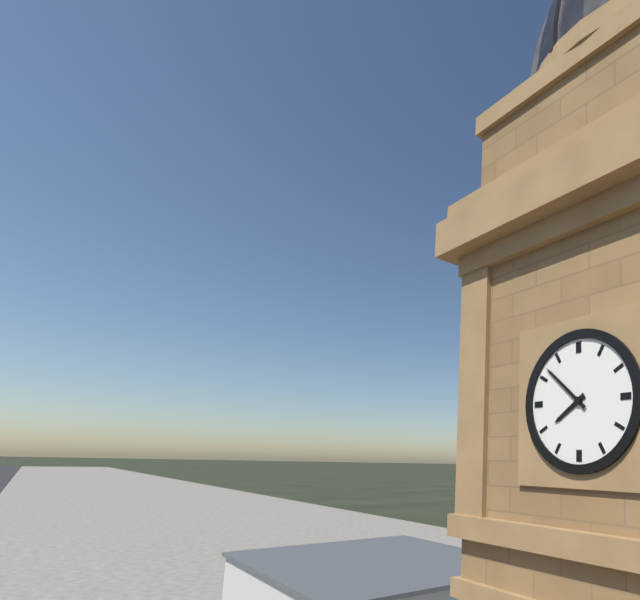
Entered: 7.52
